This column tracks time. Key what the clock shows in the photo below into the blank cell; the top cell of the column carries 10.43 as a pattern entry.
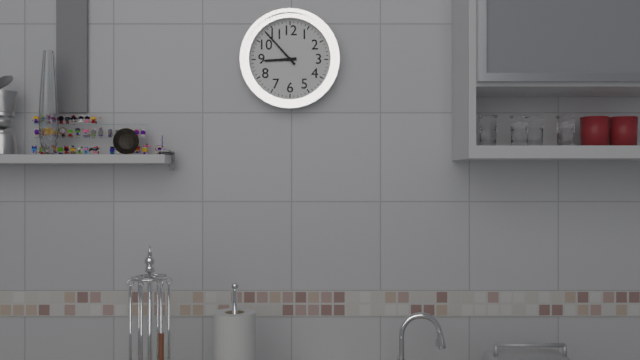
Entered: 8.53
